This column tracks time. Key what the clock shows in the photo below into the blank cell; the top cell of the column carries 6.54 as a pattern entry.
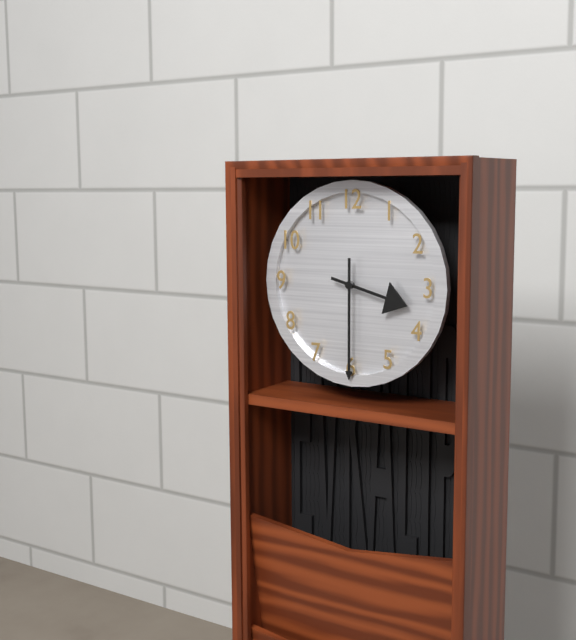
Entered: 3.30
